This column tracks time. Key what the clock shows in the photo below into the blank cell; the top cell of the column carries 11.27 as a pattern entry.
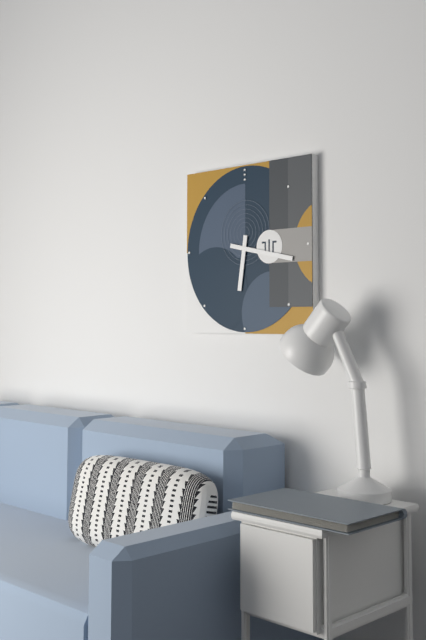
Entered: 6.17
